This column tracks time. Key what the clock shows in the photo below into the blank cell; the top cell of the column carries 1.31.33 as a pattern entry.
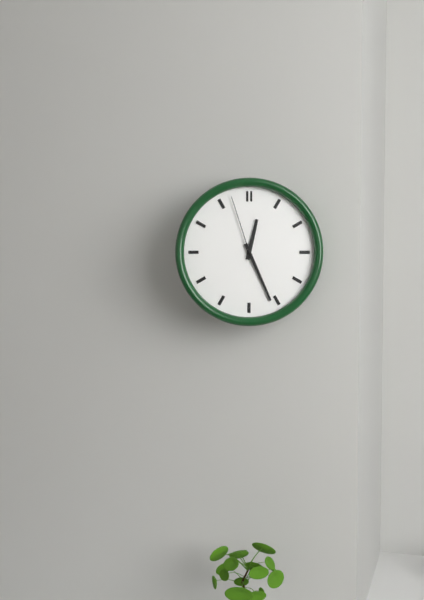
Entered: 12.26.57
